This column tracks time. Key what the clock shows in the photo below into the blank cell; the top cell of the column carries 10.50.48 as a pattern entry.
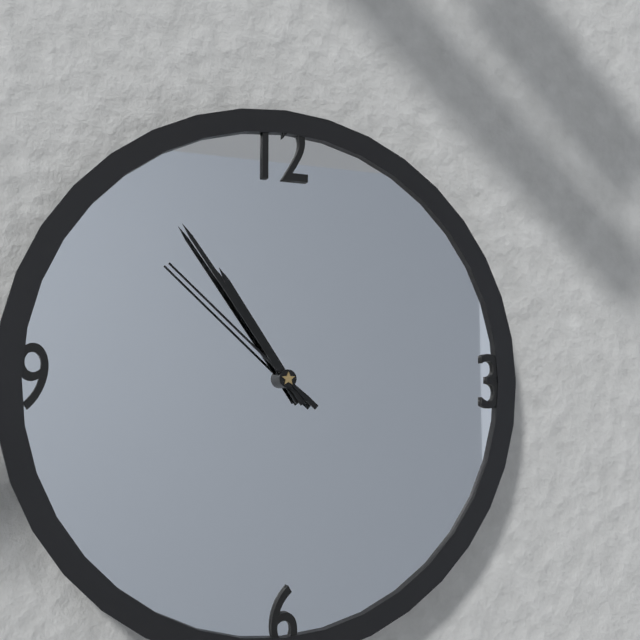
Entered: 10.54.52
